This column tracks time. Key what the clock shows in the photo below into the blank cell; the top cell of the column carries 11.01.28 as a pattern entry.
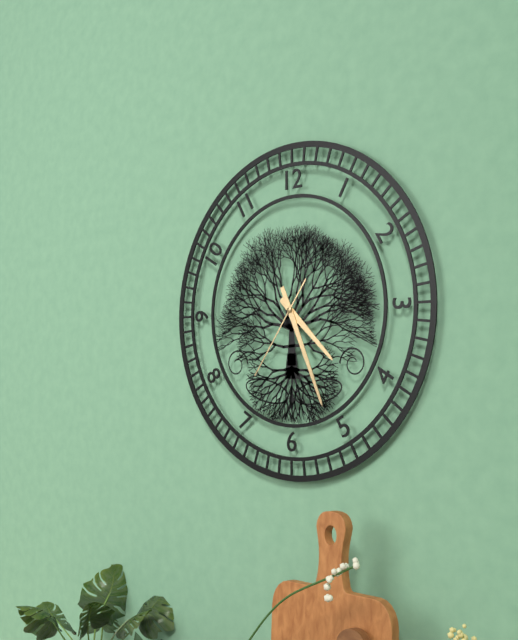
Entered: 4.26.36
